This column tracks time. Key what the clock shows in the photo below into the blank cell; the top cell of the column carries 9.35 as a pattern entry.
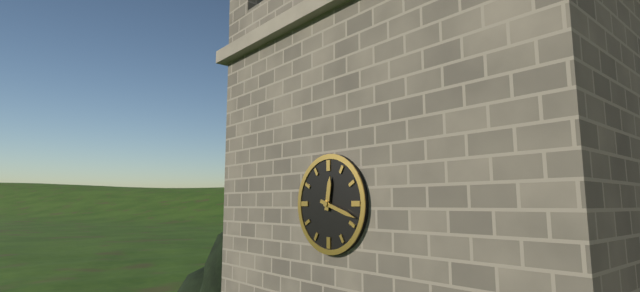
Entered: 12.18
